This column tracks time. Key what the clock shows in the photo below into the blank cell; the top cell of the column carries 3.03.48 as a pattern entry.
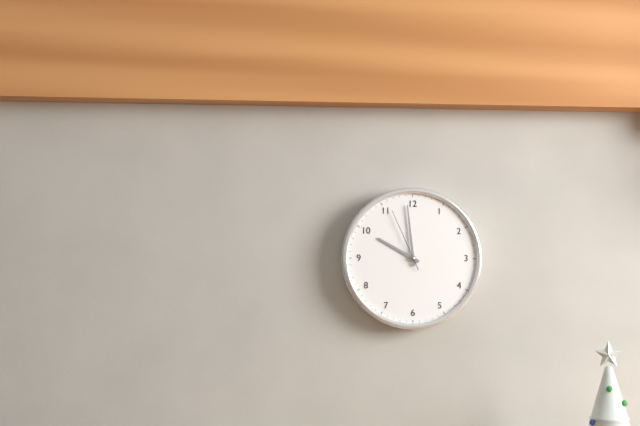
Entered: 9.59.56
